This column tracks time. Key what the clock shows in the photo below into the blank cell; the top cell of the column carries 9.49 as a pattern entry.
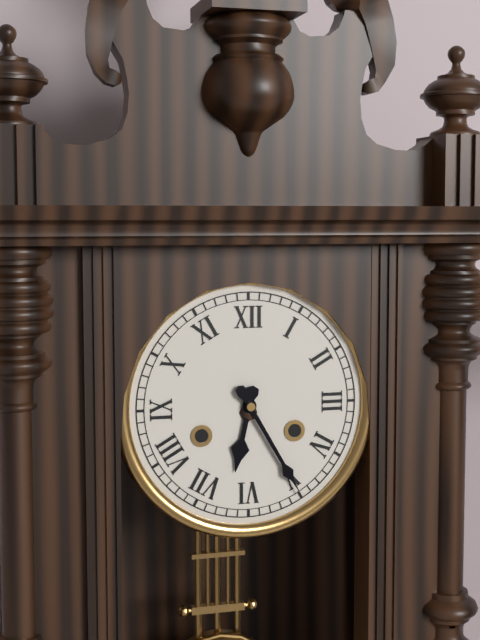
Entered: 6.25
